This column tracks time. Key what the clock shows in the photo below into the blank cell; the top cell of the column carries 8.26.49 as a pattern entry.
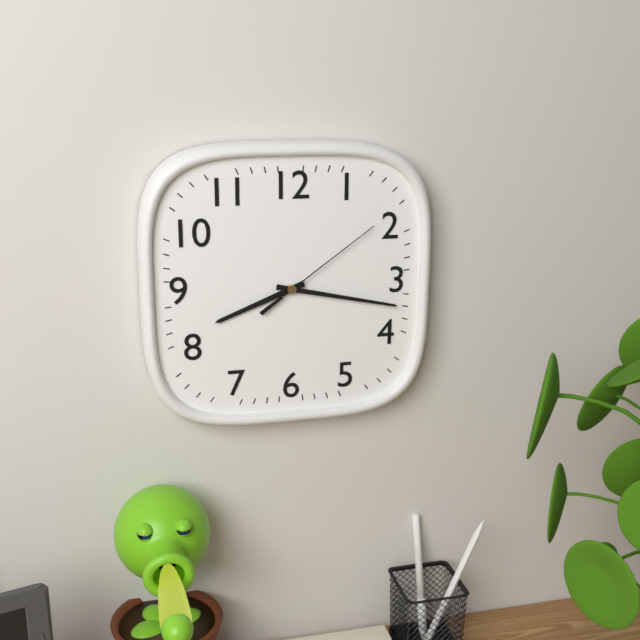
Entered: 8.17.09
